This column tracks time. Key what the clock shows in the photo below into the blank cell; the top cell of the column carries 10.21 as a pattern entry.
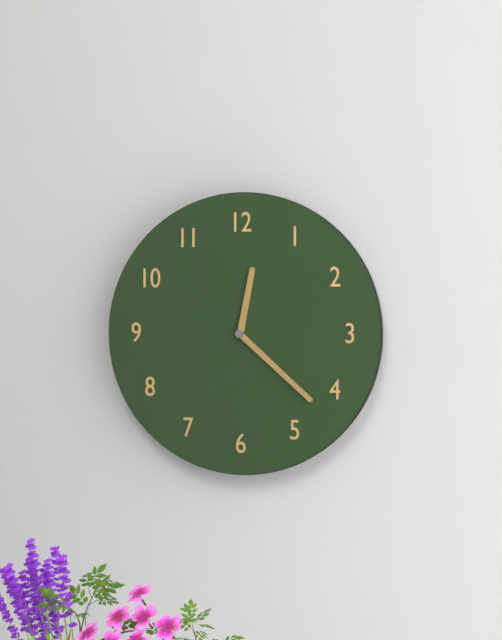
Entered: 12.22
